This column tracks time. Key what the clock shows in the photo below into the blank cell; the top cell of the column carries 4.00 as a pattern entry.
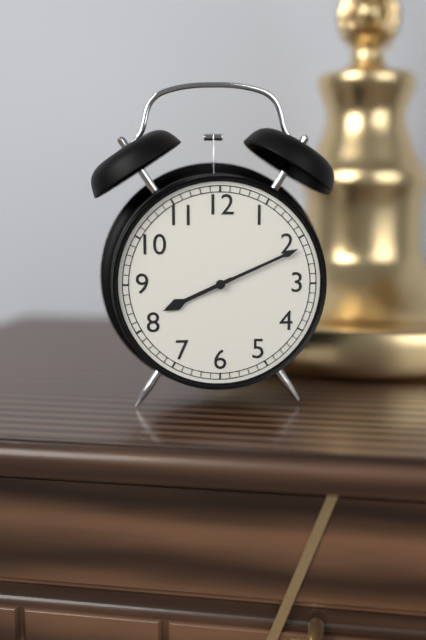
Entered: 8.11
